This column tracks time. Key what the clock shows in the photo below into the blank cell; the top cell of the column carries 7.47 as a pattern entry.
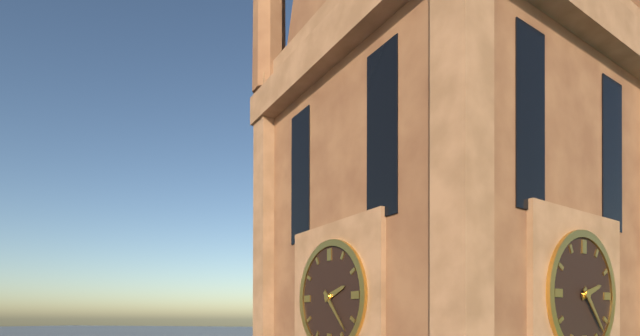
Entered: 2.23
